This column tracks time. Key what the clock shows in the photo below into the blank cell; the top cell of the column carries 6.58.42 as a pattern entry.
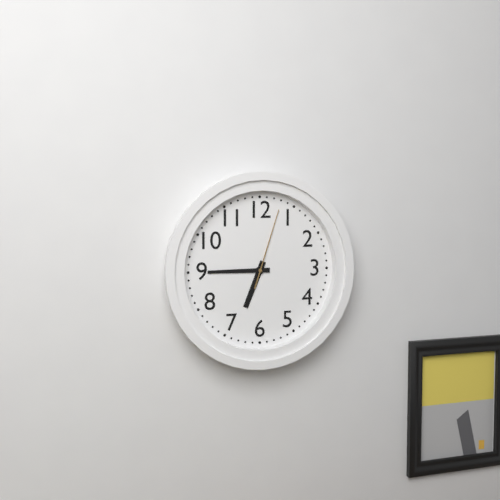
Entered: 6.45.03
